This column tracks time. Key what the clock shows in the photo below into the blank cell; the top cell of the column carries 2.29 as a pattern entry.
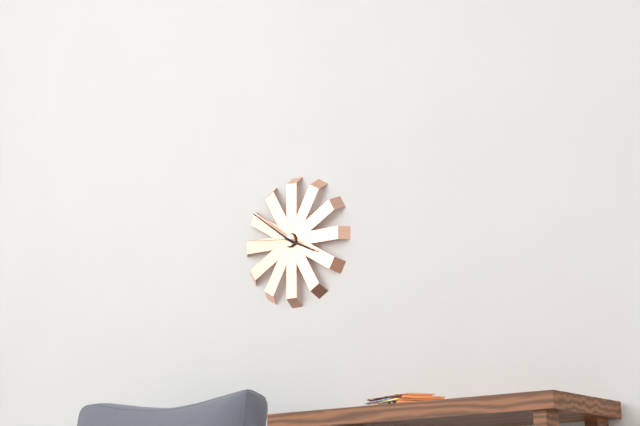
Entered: 3.51
